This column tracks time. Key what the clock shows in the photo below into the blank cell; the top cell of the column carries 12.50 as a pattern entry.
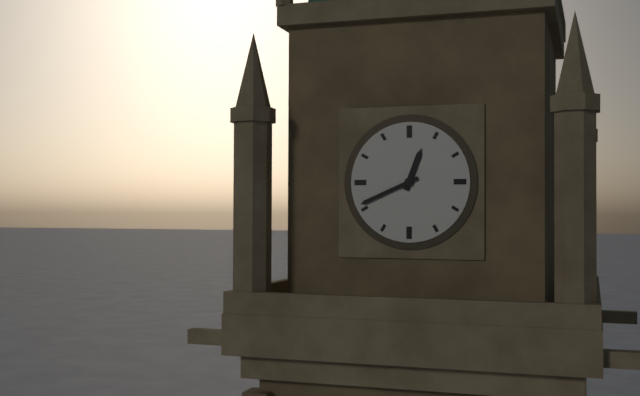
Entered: 12.41
